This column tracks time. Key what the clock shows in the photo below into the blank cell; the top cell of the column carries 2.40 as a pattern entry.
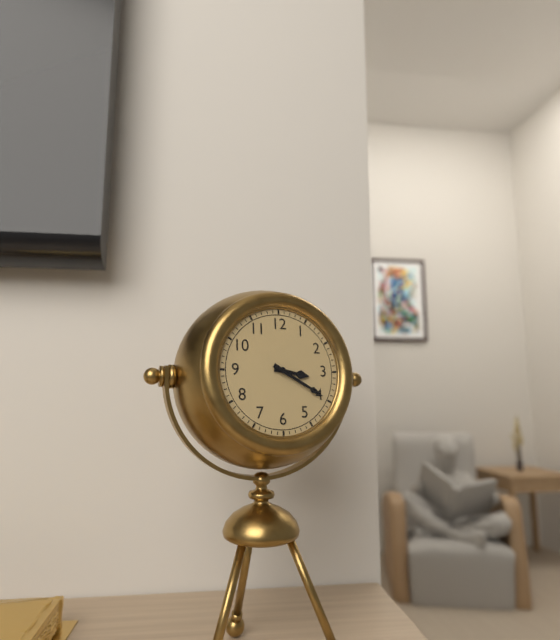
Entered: 3.20
